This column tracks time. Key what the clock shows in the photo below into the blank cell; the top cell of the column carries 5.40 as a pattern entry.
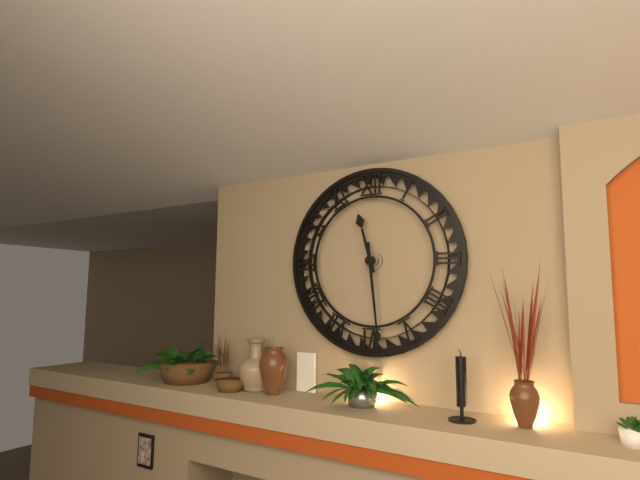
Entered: 11.29
